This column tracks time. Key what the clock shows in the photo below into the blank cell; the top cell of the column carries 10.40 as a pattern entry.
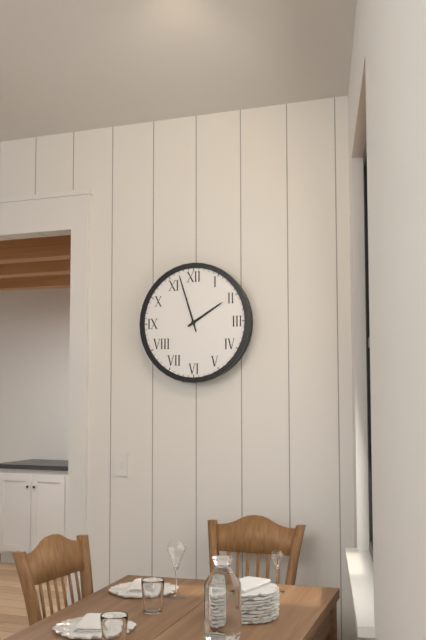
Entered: 1.57
